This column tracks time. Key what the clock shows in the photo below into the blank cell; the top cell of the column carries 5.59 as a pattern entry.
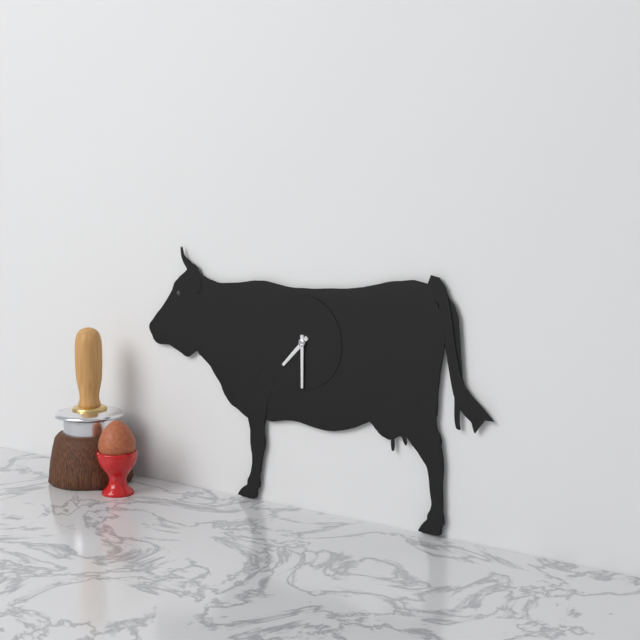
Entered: 7.30
